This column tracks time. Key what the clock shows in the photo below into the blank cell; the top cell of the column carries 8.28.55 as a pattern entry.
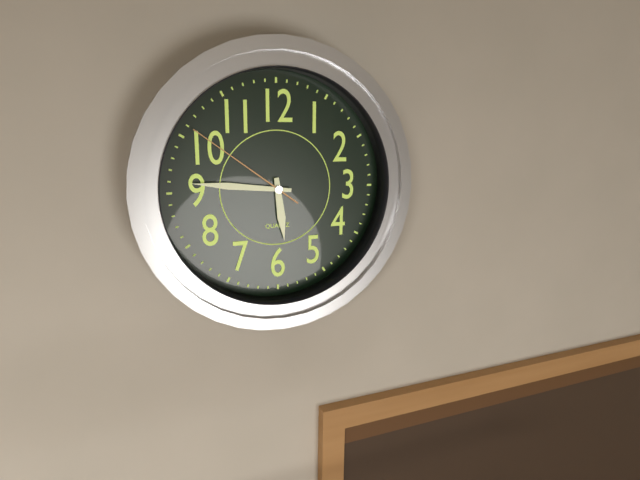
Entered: 5.46.51
